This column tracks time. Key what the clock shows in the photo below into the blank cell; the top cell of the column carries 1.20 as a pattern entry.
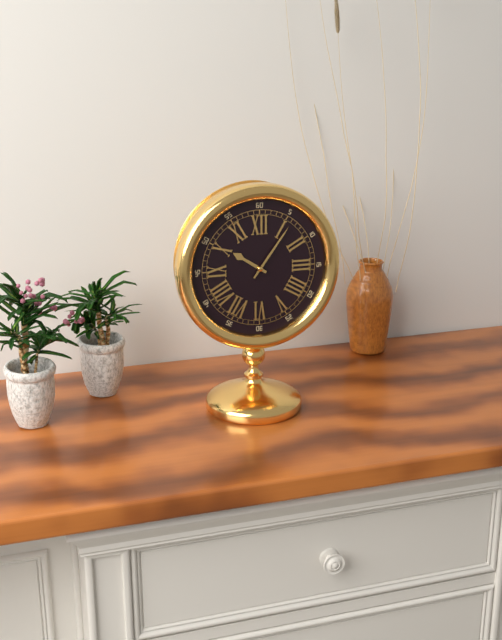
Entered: 10.06
